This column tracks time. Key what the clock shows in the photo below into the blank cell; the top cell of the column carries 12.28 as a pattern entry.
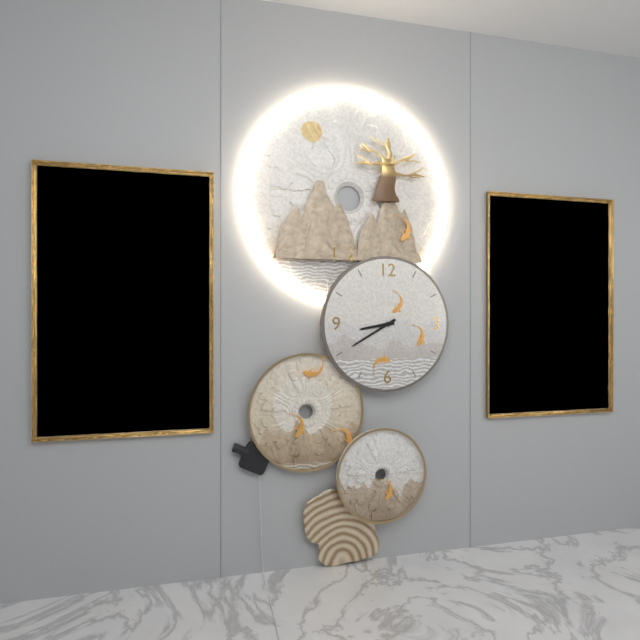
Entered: 8.40
